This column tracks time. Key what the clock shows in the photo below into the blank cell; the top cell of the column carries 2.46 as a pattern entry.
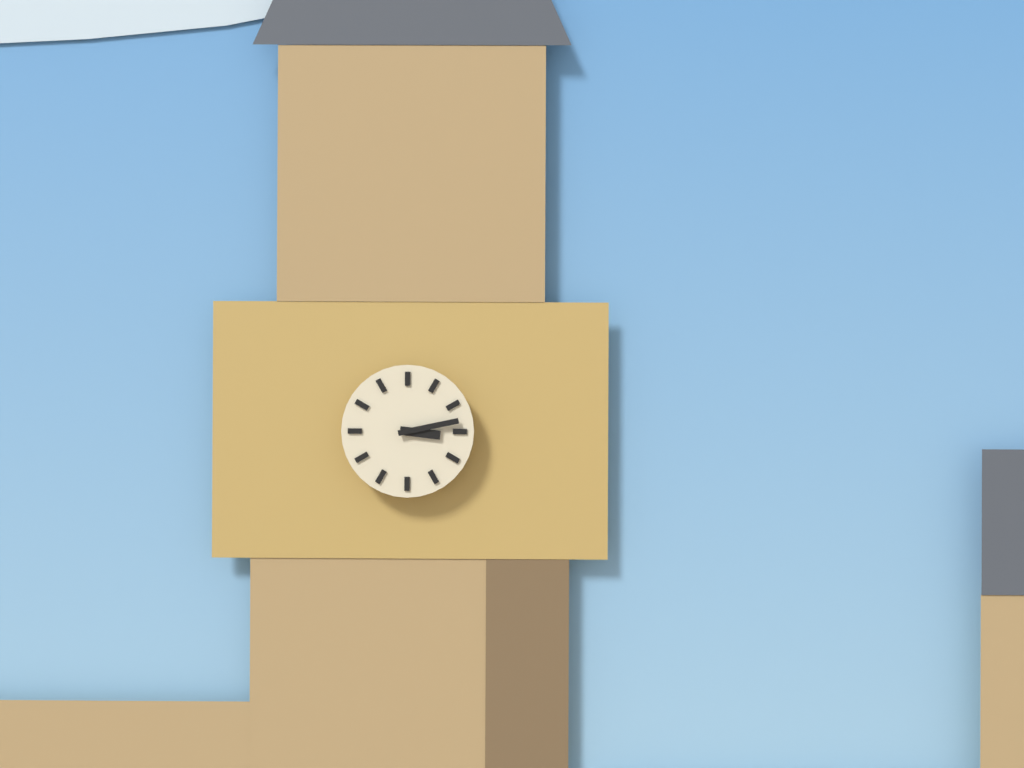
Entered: 3.13
